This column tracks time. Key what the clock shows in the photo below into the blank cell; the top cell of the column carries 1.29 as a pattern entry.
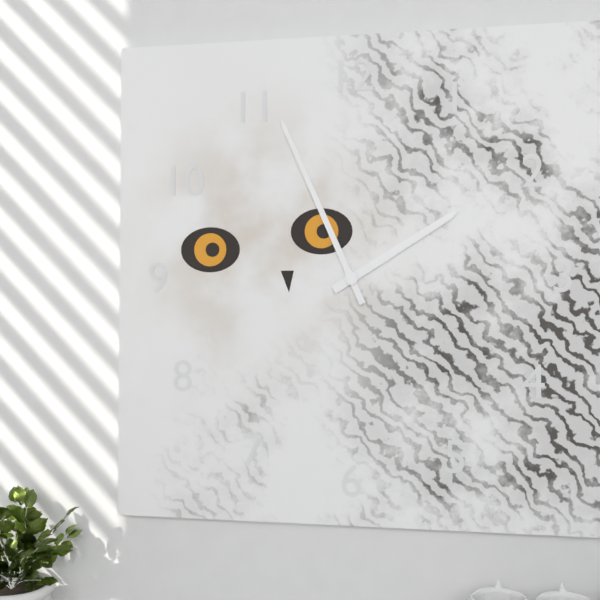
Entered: 1.56
